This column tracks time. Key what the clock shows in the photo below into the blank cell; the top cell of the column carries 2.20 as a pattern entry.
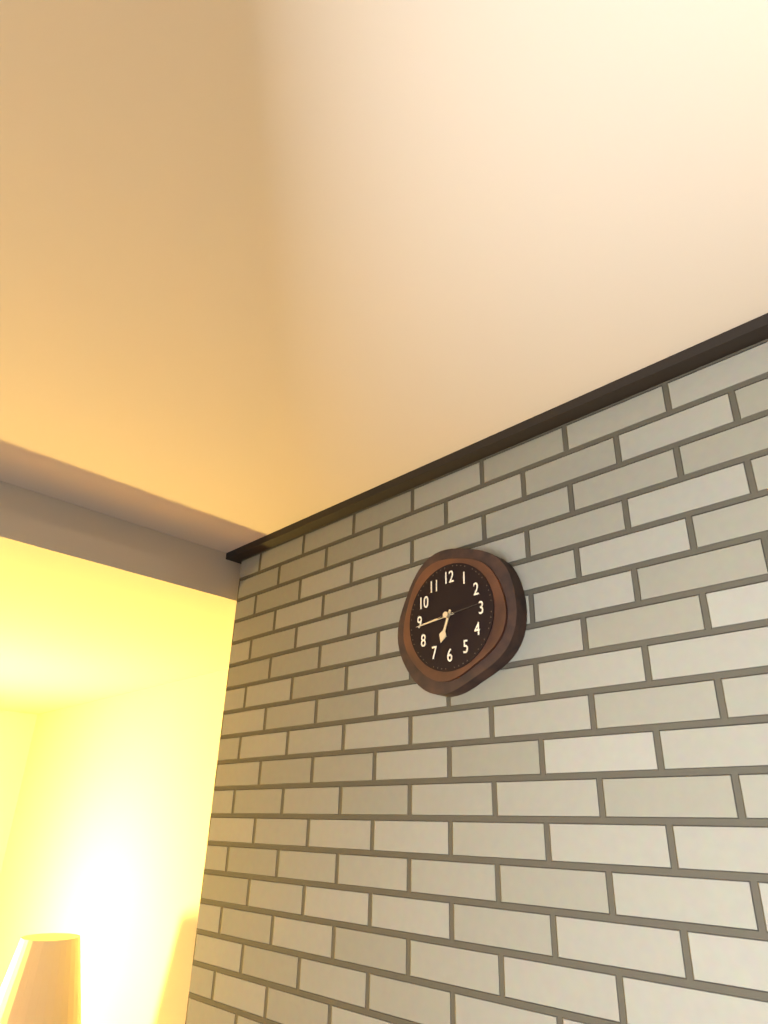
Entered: 6.44
